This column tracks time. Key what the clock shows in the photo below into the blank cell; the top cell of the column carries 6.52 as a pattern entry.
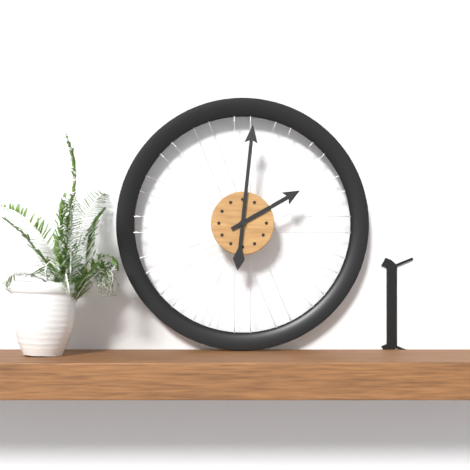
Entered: 2.01
